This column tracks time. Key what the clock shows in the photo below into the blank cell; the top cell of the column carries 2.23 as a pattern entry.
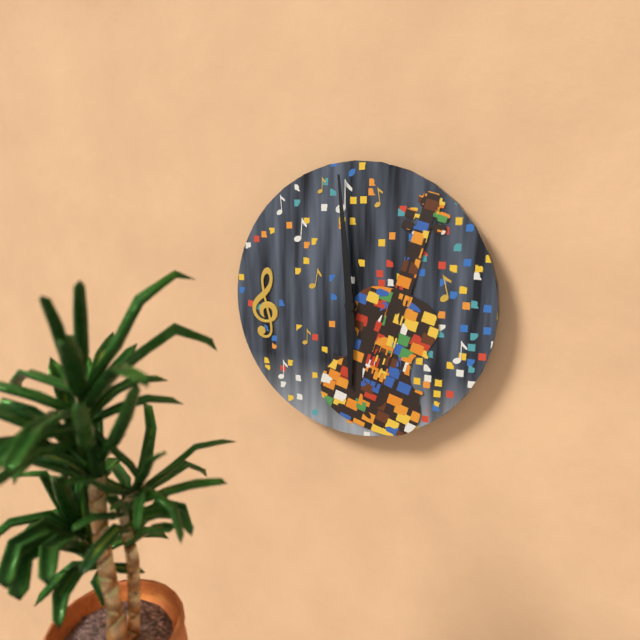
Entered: 5.59
